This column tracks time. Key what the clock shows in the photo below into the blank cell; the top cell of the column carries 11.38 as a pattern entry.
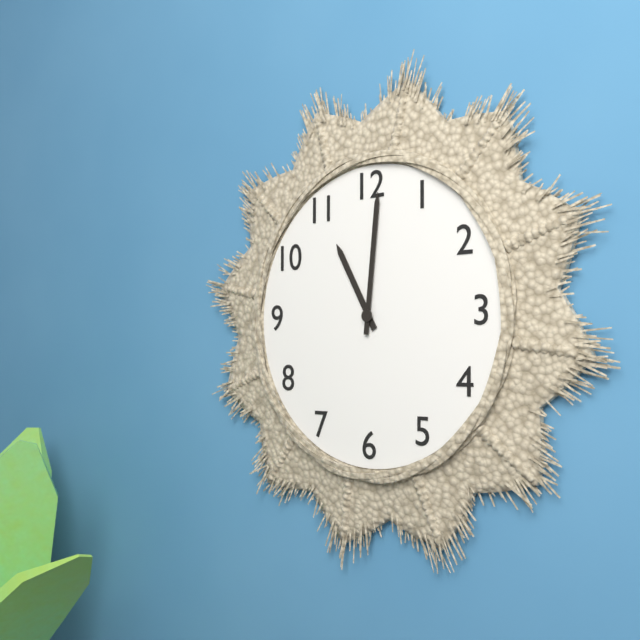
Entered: 11.01
